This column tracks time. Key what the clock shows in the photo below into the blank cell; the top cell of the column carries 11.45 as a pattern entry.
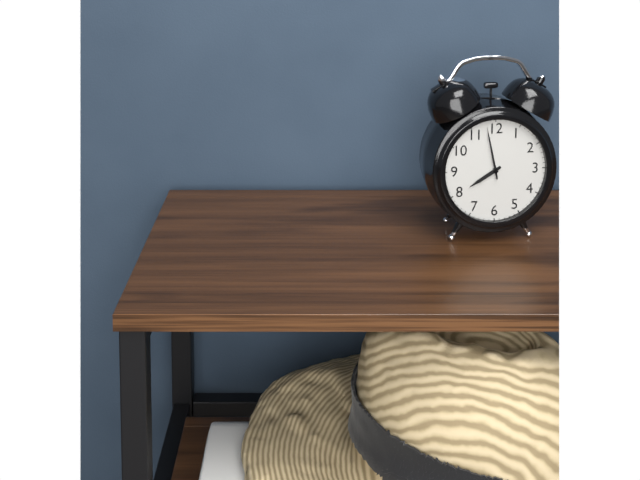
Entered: 7.58
